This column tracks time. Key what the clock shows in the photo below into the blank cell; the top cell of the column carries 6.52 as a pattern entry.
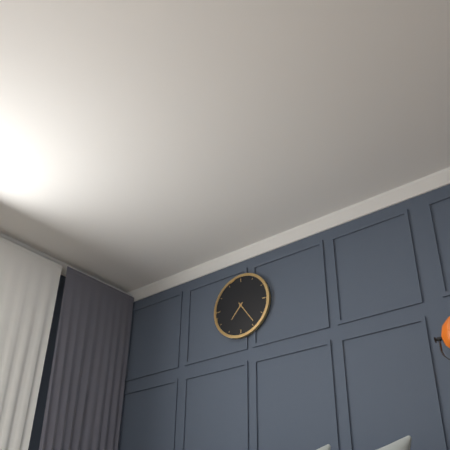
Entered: 7.24
